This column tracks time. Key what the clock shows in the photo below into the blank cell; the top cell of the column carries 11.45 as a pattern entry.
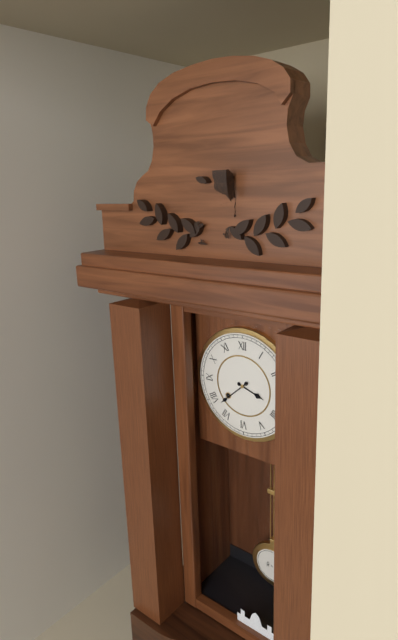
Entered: 3.38
